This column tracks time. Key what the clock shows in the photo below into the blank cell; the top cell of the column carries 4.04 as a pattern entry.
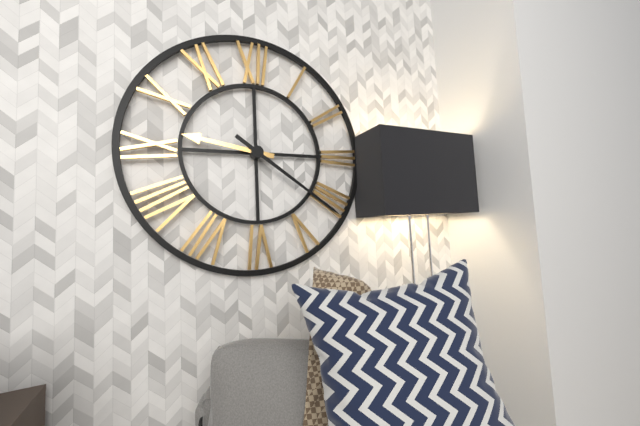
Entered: 9.21
